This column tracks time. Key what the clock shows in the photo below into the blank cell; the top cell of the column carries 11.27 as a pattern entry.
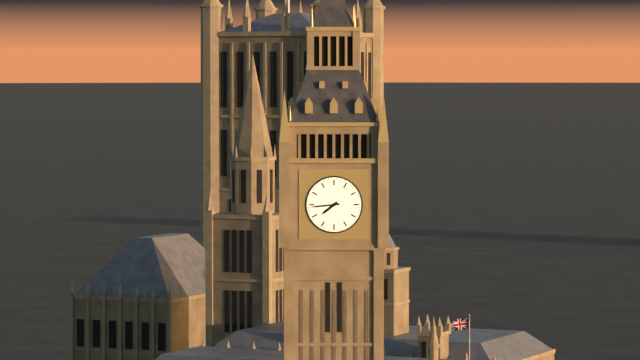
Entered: 7.44
